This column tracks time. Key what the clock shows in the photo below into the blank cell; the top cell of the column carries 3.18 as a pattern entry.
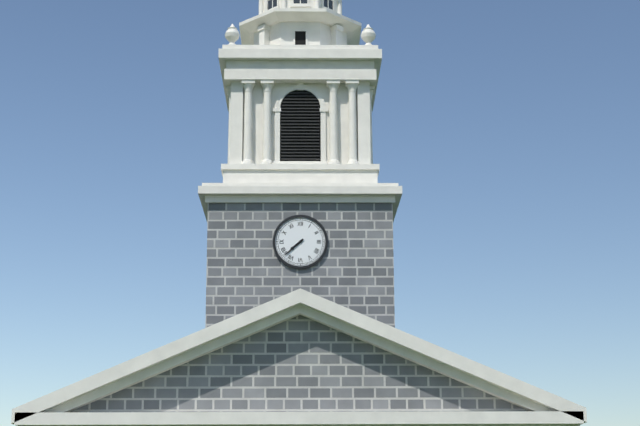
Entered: 7.38
